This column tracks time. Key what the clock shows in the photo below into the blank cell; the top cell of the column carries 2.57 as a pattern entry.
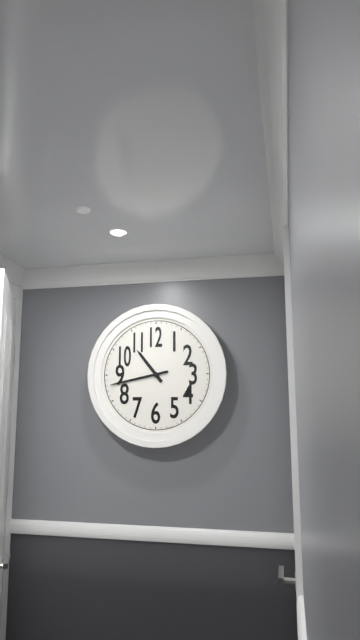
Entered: 10.43
